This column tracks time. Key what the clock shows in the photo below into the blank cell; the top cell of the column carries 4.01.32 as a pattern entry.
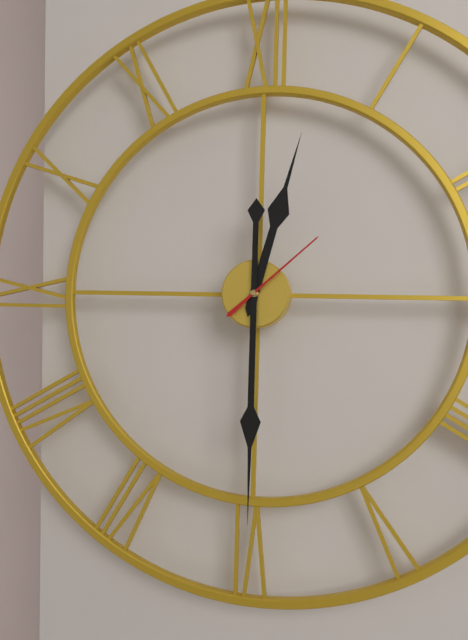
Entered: 12.30.08
